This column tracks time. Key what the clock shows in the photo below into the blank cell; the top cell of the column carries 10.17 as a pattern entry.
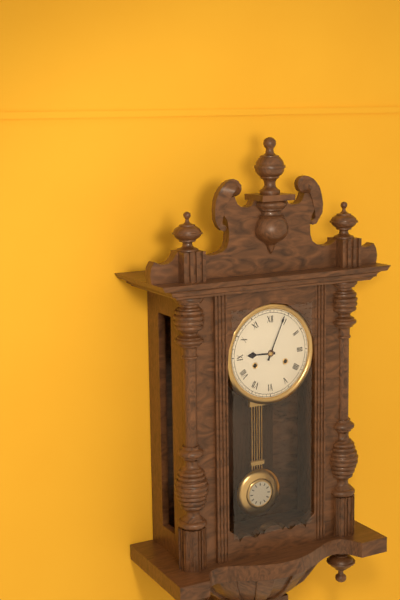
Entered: 9.04
